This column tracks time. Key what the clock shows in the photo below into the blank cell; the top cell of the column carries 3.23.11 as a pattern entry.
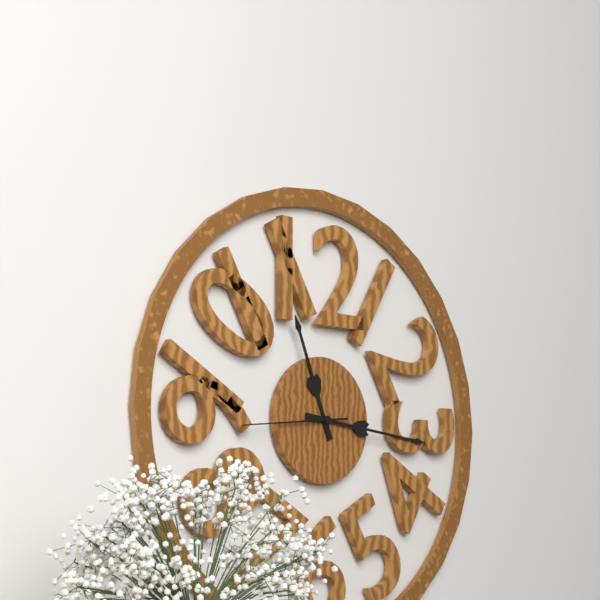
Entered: 11.16.44
